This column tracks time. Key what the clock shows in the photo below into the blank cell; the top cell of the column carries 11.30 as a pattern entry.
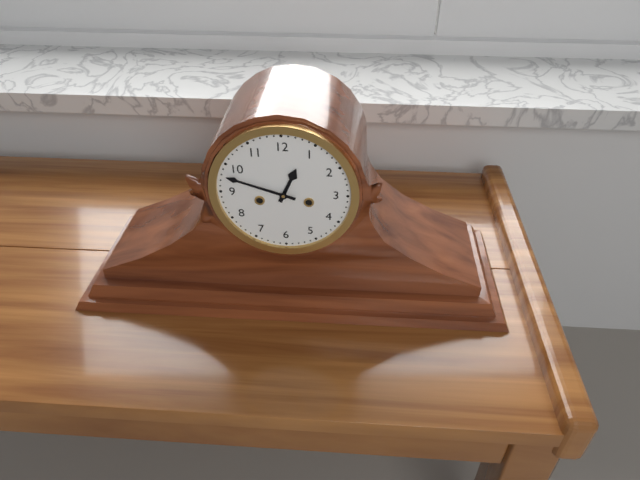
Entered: 12.48
